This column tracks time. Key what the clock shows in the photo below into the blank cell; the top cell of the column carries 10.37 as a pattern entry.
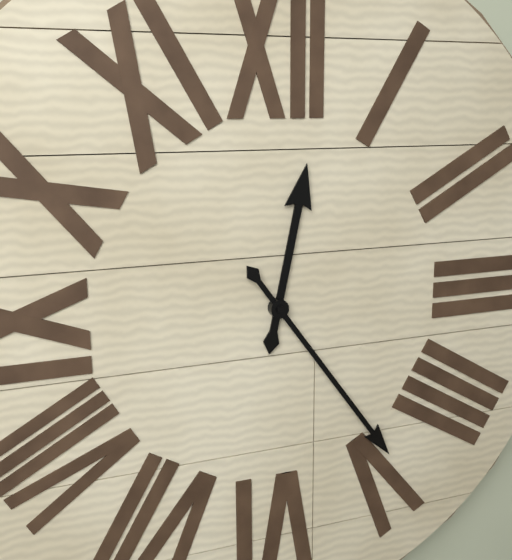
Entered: 12.24
